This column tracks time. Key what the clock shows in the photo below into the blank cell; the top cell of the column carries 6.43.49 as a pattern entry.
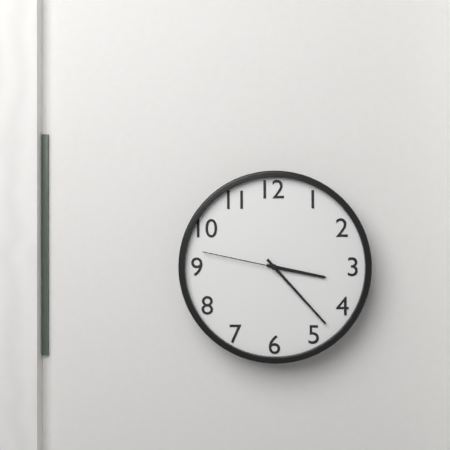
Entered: 3.23.47
